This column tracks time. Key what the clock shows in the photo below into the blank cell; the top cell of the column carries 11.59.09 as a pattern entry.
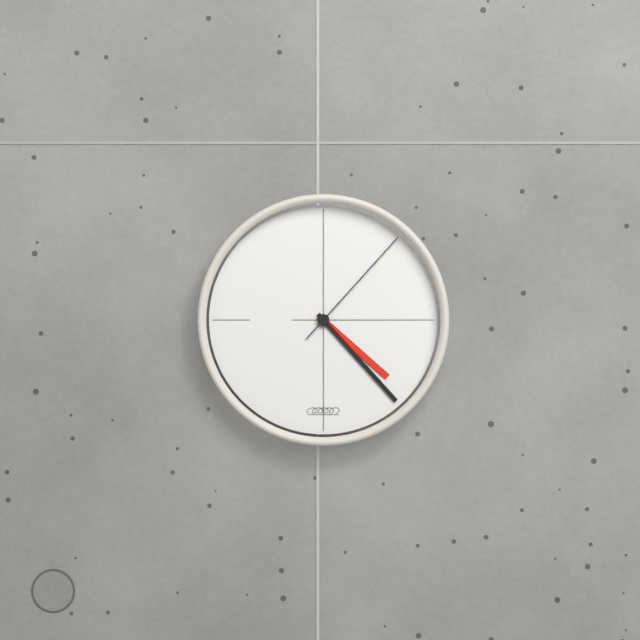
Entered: 4.23.07
